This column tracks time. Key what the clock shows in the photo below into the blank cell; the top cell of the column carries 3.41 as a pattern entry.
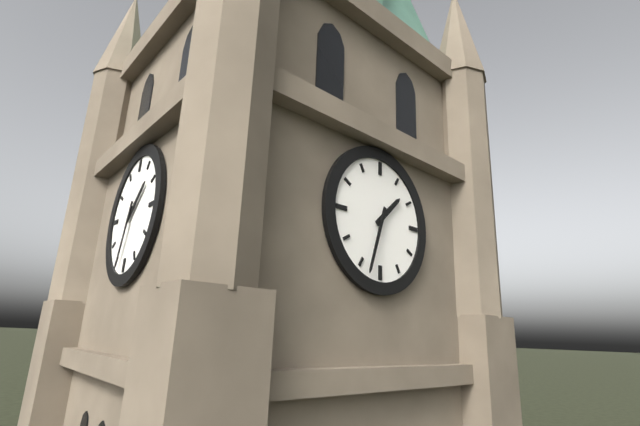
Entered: 1.33
